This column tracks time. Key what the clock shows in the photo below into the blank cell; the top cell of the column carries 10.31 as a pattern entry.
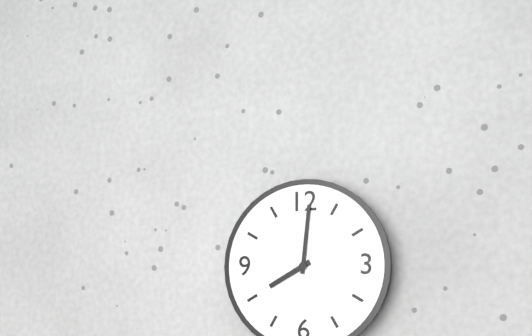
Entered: 8.01
